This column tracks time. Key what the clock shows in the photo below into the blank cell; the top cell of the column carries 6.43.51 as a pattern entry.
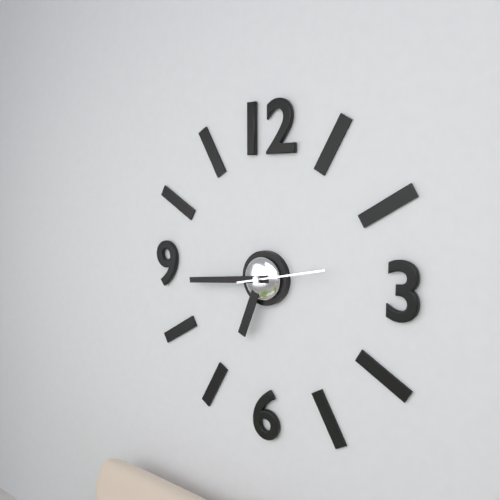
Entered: 6.44.13
